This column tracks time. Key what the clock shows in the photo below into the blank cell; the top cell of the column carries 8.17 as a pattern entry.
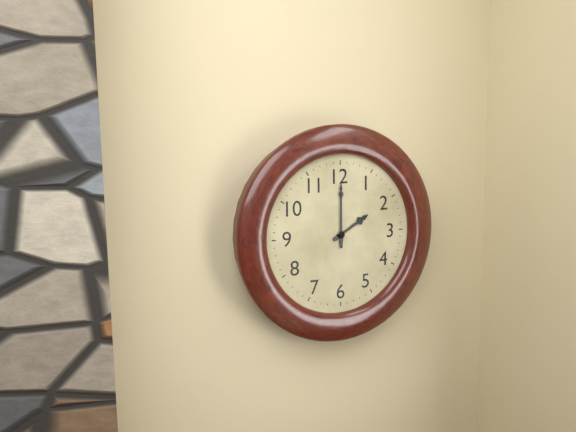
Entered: 2.00
